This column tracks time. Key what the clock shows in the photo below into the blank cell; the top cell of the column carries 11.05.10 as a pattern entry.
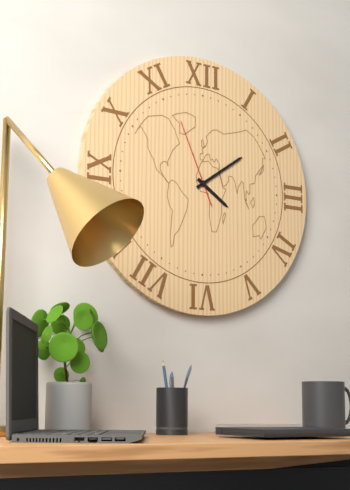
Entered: 4.09.56
